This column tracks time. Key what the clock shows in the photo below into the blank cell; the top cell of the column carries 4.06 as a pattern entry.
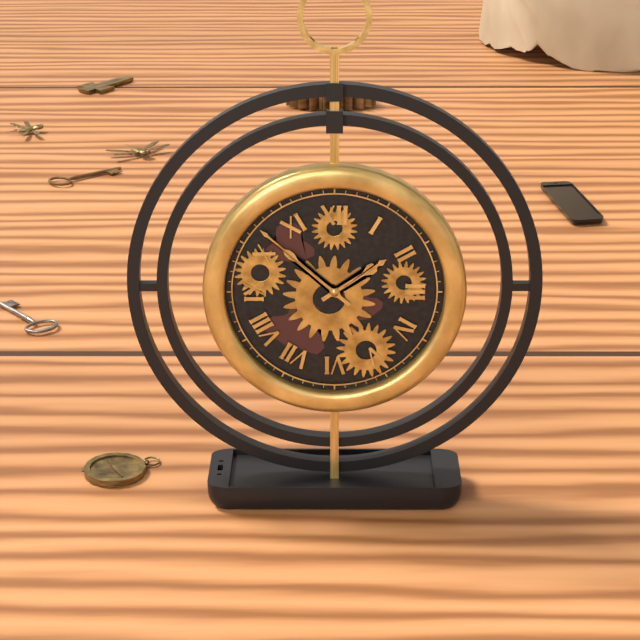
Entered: 1.52
